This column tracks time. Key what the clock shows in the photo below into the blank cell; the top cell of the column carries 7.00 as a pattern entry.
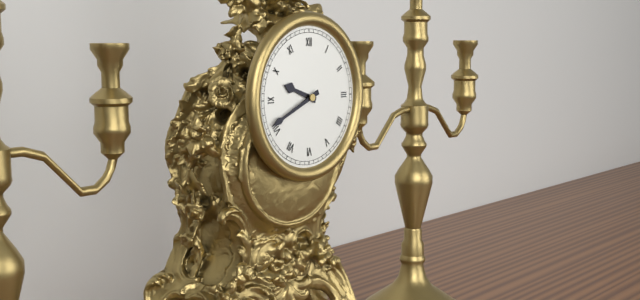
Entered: 9.41
